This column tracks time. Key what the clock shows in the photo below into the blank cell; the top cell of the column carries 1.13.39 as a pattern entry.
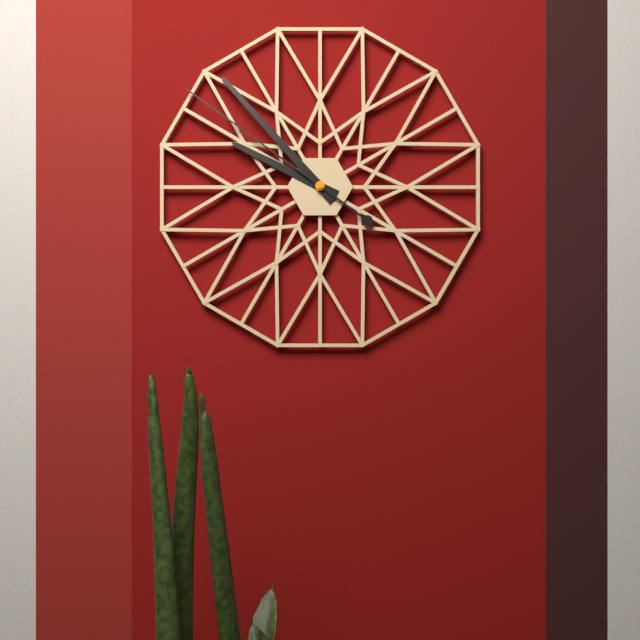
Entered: 9.53.51
